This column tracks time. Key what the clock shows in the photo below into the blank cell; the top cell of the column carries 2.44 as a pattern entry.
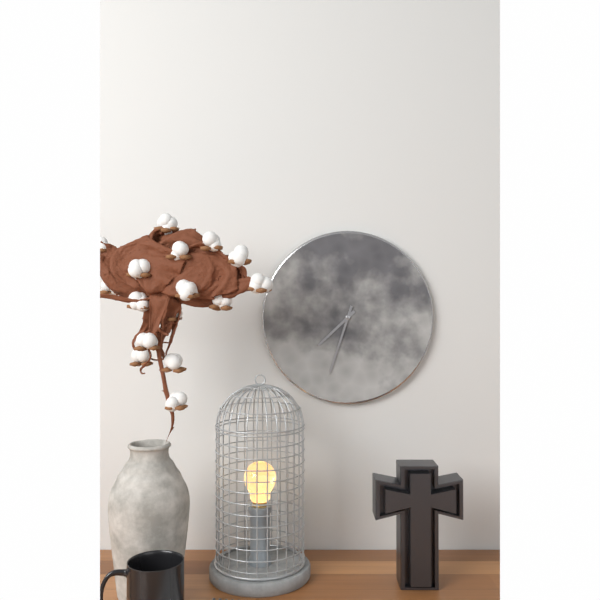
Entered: 7.33
